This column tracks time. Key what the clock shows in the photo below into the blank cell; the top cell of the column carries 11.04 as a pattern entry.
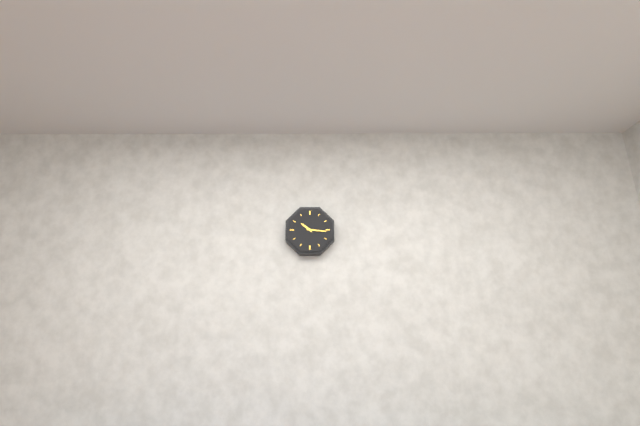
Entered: 10.16
